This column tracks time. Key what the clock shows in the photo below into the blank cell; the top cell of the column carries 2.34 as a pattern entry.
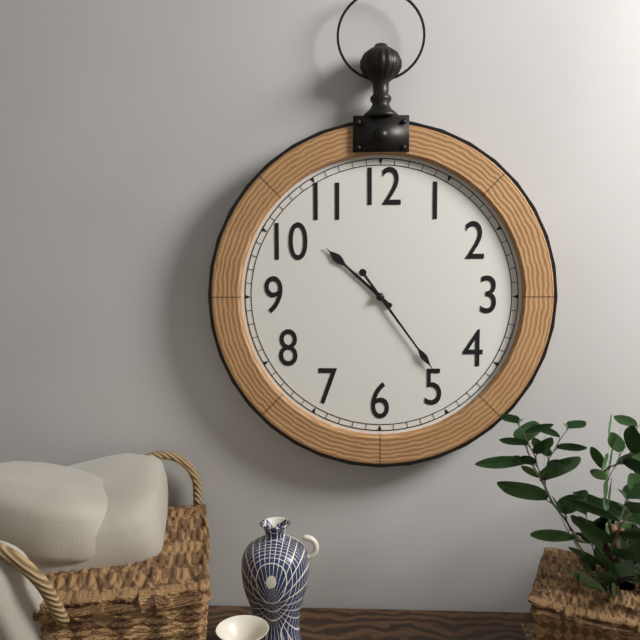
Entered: 10.24
